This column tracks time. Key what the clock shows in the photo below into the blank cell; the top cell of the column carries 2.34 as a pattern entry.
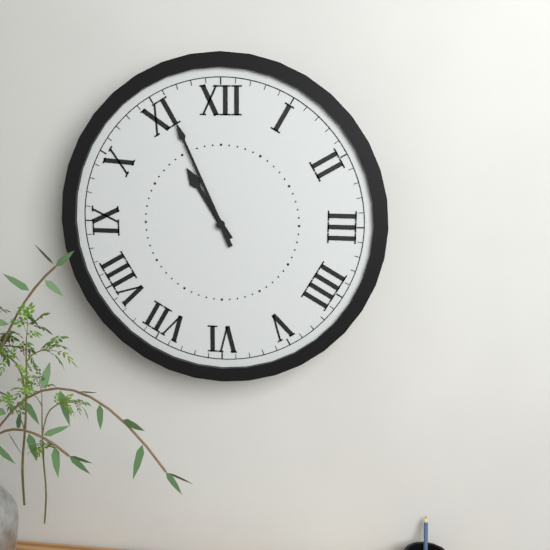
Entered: 10.56
